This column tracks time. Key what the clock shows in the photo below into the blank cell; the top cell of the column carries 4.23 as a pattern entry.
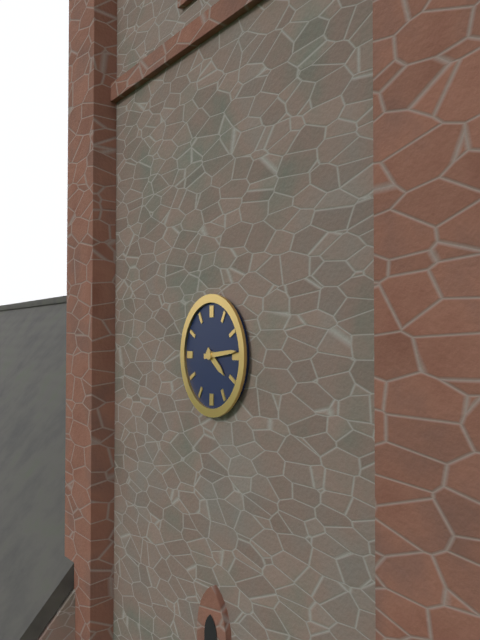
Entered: 4.14
